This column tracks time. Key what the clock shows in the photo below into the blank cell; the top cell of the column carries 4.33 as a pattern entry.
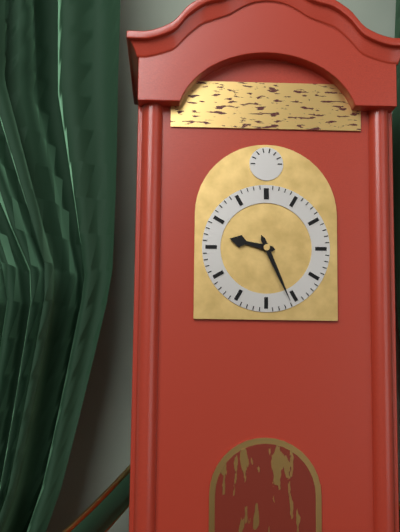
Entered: 9.26
